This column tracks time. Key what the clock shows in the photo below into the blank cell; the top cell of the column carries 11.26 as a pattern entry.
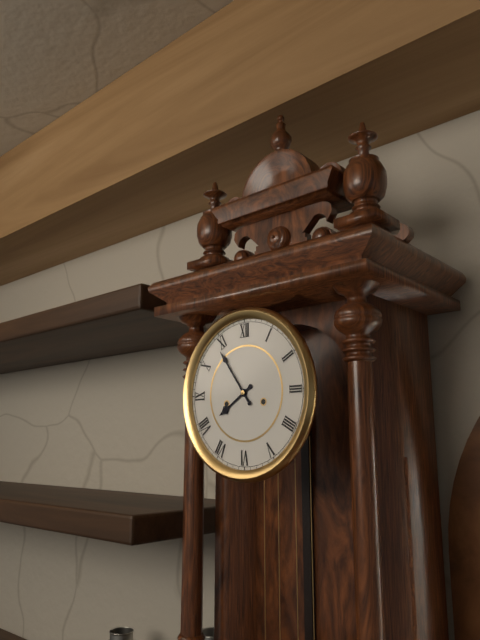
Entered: 7.54
